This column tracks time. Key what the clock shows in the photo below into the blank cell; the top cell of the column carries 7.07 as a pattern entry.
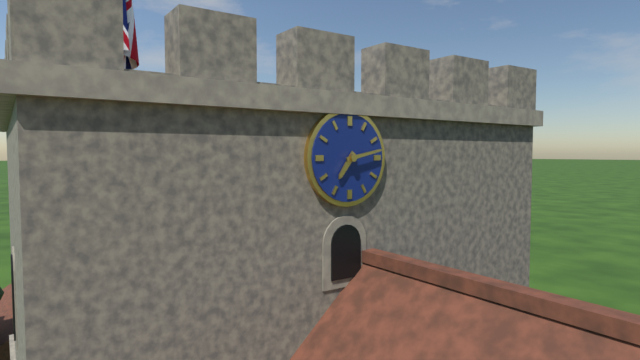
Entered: 7.13
